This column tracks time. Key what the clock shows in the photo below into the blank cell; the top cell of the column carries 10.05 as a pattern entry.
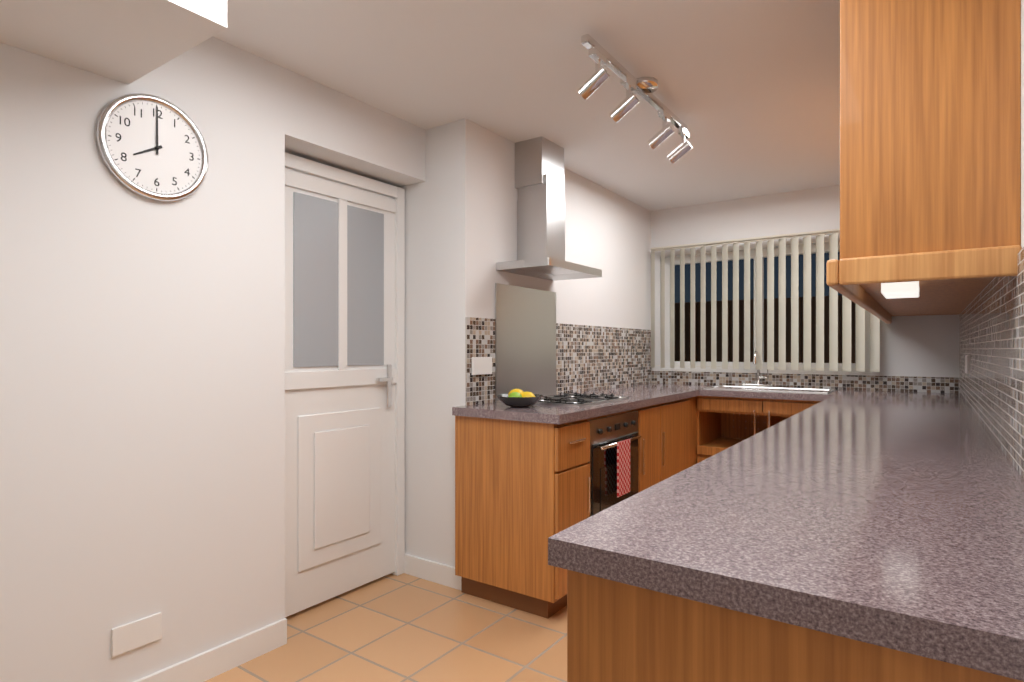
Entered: 8.00
